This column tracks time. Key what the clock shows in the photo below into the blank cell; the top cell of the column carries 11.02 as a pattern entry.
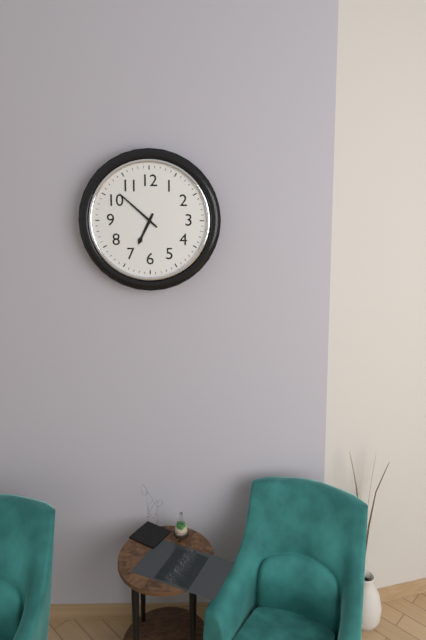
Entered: 6.52
